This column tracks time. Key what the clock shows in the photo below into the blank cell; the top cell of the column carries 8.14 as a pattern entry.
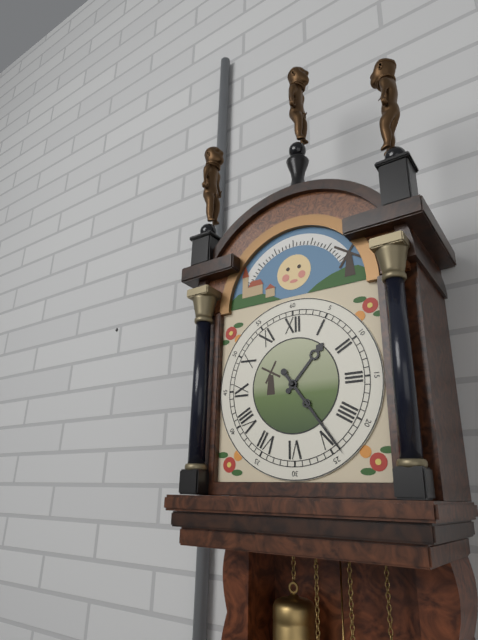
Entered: 1.24
